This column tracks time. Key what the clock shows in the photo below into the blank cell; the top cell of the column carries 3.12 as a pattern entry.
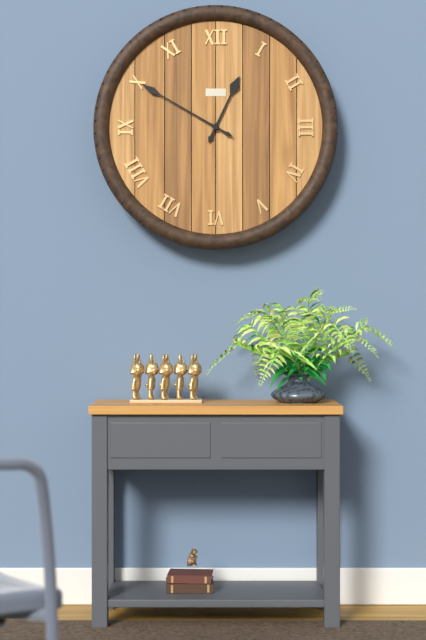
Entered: 12.50
